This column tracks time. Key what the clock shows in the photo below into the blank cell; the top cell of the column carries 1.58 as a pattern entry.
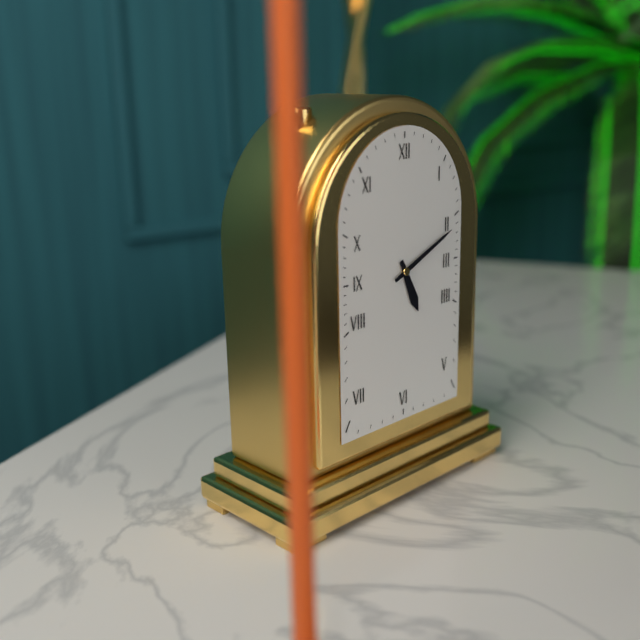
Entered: 5.11
